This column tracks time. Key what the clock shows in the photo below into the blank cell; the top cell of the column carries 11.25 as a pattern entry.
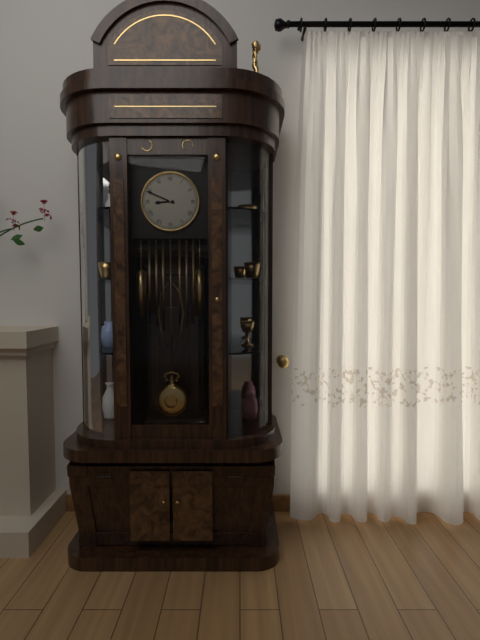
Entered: 8.49
